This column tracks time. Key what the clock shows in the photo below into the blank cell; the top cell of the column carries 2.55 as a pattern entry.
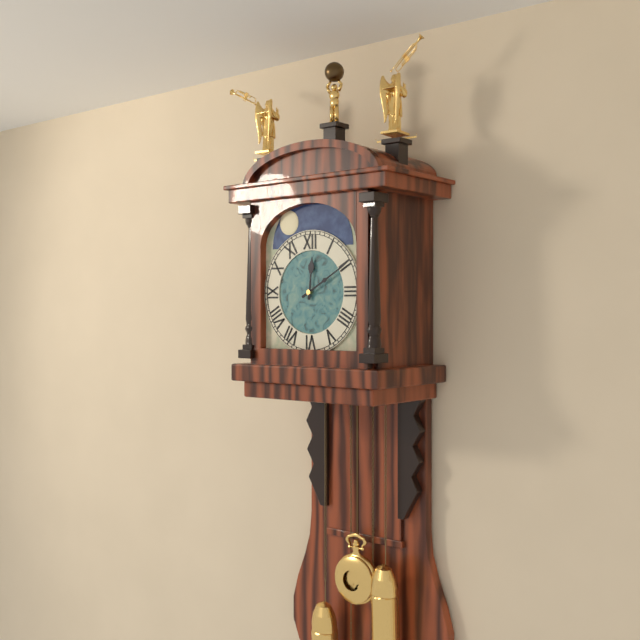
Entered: 12.10
